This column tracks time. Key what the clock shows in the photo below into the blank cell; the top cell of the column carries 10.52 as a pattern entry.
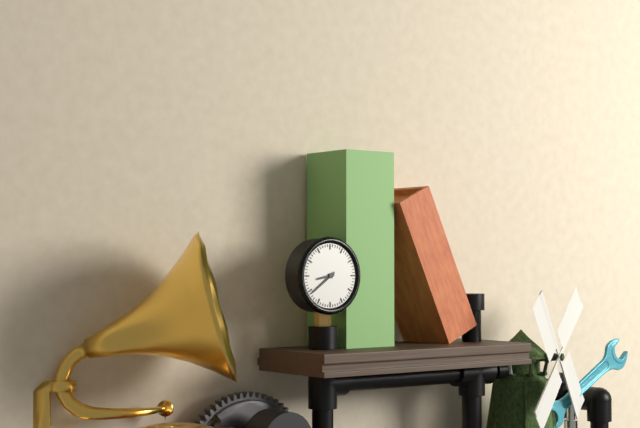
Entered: 8.39
